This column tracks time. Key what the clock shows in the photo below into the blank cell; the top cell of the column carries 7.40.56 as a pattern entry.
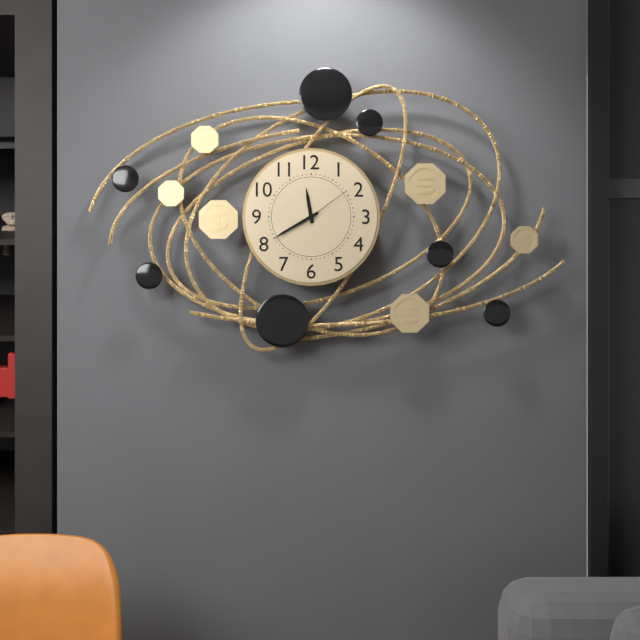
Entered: 11.40.09
